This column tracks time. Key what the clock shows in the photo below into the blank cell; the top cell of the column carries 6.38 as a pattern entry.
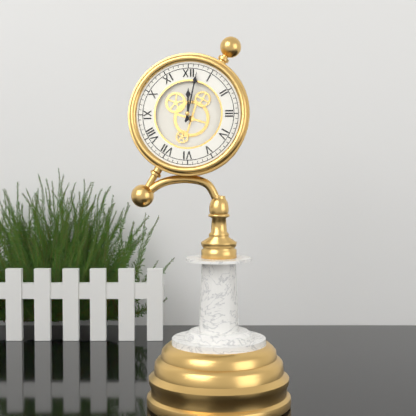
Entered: 12.02
